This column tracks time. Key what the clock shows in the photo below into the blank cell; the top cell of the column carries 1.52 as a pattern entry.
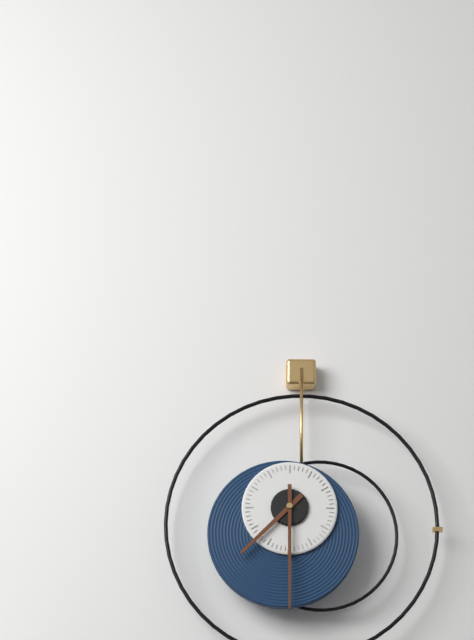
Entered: 7.30
